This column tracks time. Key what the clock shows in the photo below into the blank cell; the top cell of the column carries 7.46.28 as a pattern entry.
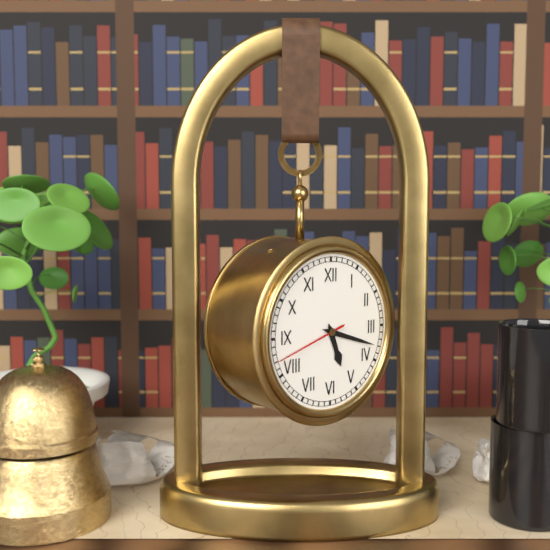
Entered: 5.18.42
